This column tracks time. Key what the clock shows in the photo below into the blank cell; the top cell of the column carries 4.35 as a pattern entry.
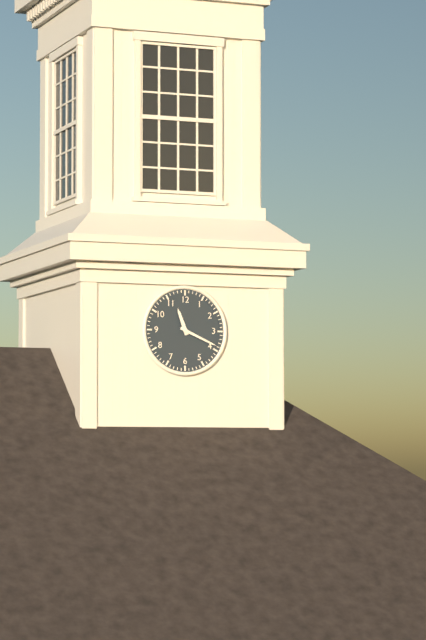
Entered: 11.19
